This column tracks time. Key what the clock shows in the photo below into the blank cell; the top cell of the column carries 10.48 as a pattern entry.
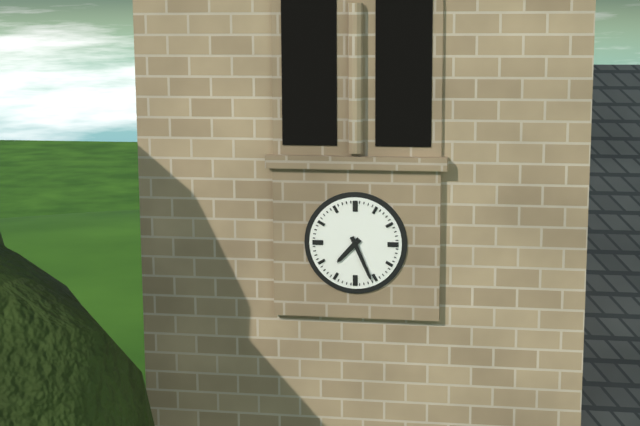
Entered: 7.26
